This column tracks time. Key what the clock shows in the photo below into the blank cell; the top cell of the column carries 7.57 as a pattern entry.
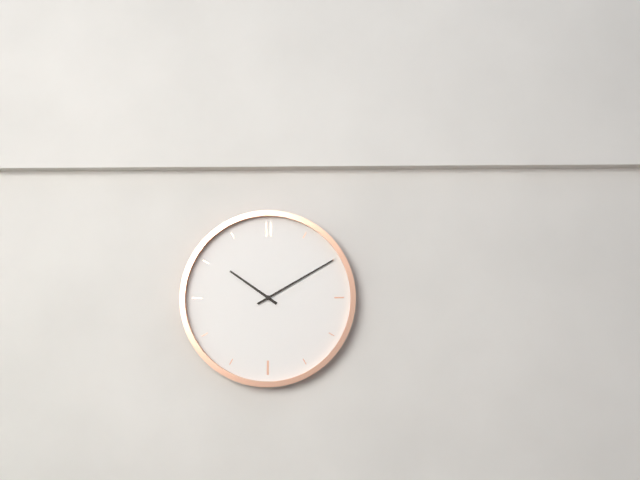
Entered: 10.10
